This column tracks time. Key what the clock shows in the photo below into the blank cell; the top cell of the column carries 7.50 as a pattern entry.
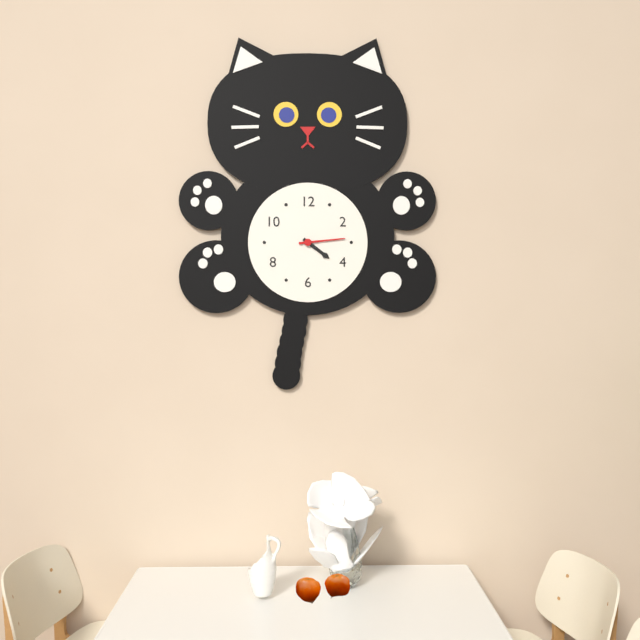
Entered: 4.14
